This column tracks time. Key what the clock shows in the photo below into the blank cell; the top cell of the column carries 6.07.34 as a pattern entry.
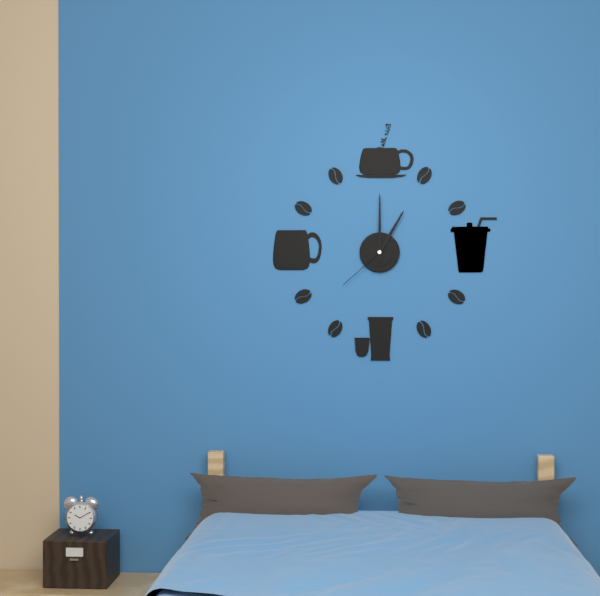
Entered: 1.00.38
